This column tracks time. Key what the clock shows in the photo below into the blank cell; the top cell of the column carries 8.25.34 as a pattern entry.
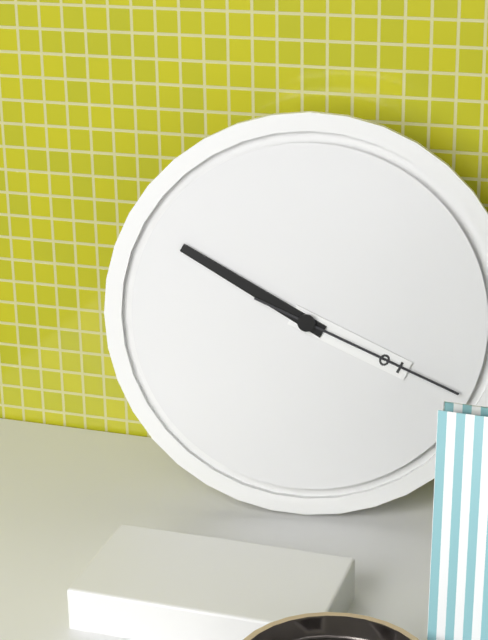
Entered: 3.50.19
